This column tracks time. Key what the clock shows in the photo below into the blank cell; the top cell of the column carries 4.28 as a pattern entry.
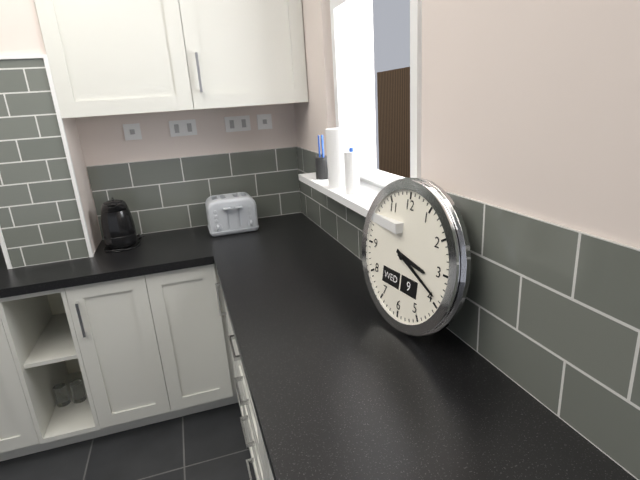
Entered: 3.19
